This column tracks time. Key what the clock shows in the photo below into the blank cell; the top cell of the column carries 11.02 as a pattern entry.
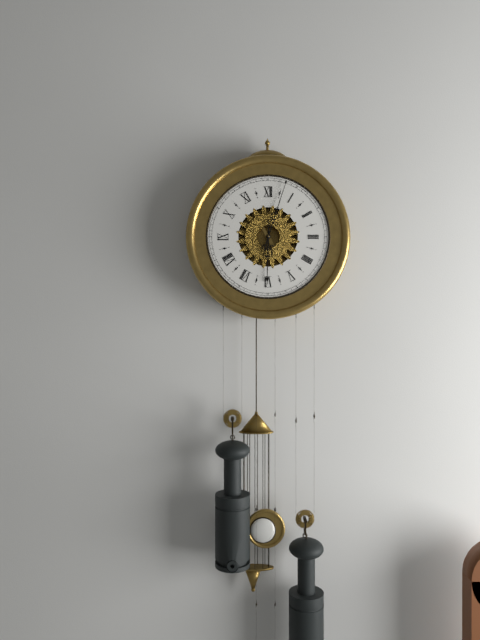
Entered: 6.03
